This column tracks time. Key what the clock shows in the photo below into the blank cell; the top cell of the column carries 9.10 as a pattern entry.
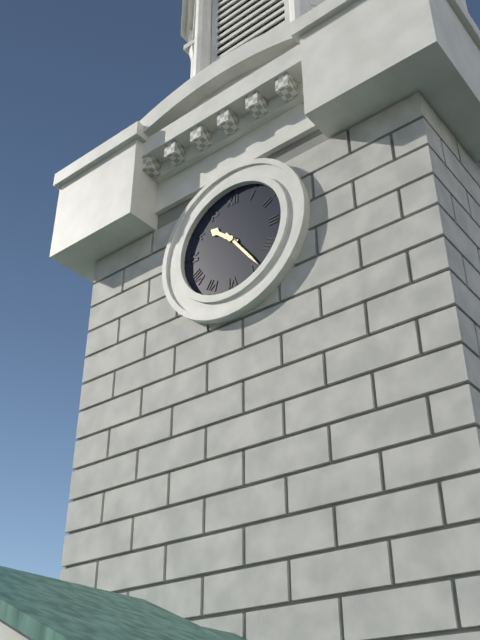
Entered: 10.24
